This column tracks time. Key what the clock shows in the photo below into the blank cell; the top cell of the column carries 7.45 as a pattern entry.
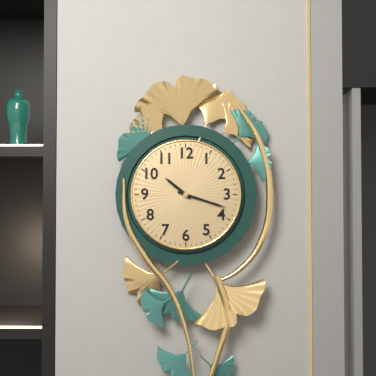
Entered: 10.18
